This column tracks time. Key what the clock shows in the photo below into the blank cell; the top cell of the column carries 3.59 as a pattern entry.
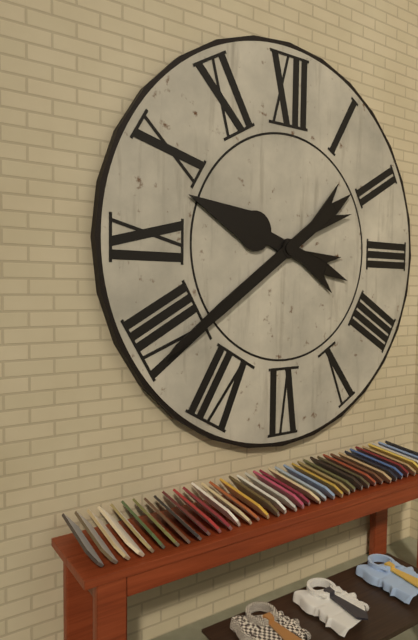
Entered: 9.39
